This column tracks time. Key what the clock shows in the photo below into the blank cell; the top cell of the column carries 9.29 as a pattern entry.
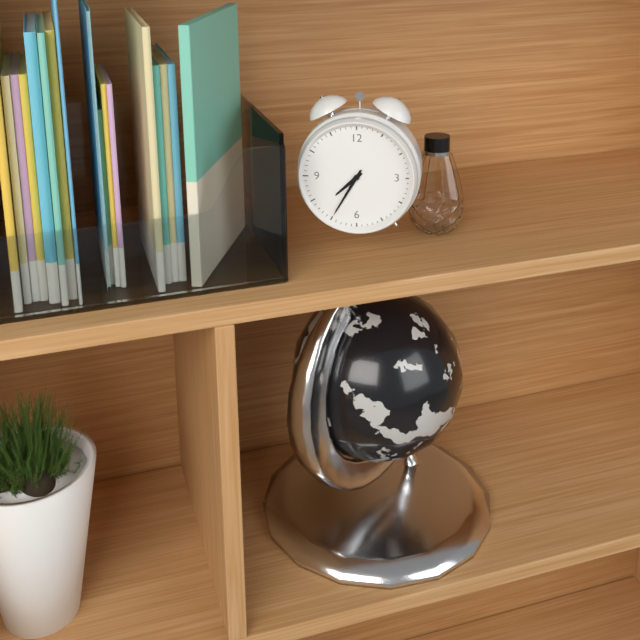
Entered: 7.35
